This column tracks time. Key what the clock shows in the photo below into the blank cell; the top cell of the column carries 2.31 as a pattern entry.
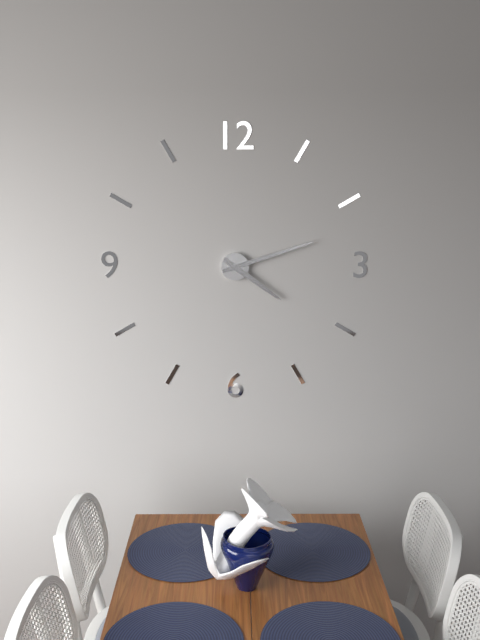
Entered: 4.12
